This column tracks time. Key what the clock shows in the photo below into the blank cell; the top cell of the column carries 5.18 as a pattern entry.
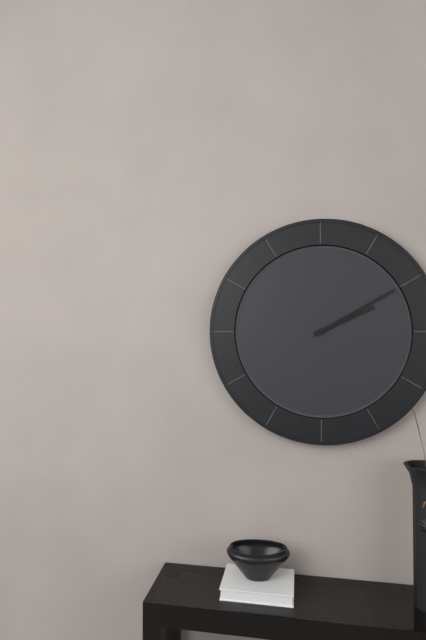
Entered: 2.10
